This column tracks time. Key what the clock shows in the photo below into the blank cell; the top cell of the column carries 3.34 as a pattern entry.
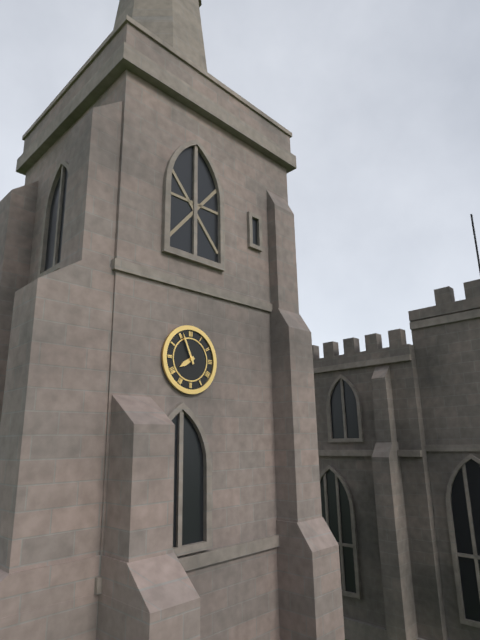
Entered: 7.56
